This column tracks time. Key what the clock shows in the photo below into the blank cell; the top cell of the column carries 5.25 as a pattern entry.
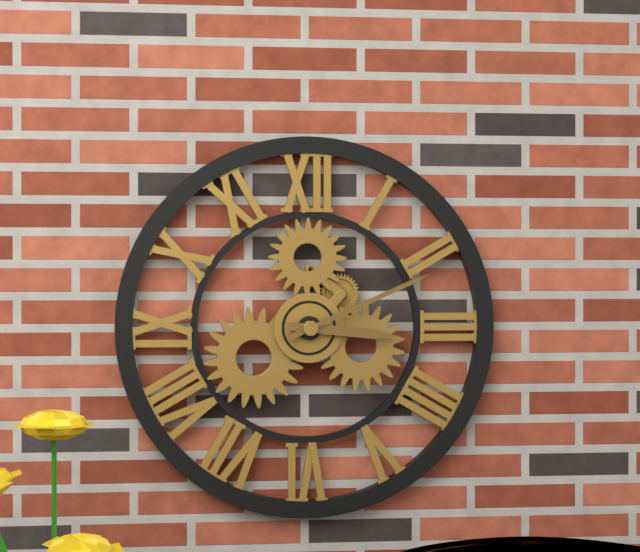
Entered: 3.11
